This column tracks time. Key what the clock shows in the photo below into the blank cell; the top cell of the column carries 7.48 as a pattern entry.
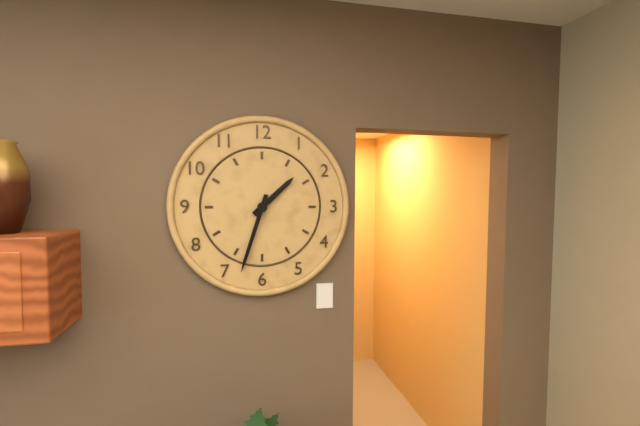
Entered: 1.33
